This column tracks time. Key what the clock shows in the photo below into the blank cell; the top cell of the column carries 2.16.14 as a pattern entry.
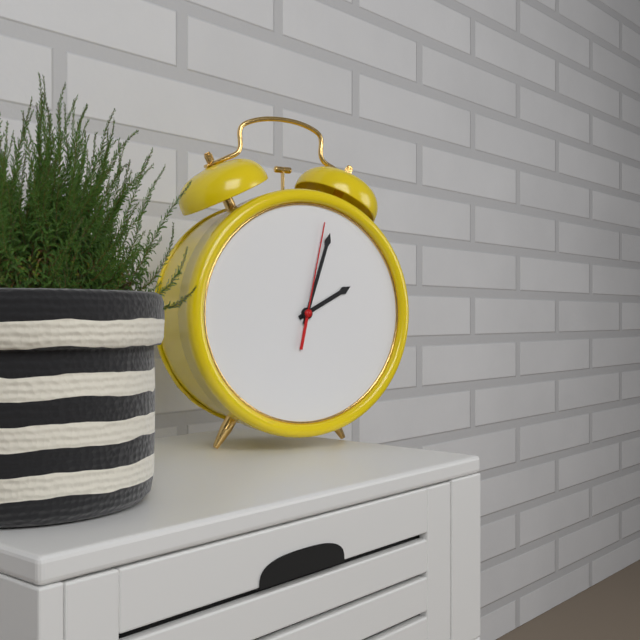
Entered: 2.03.02
